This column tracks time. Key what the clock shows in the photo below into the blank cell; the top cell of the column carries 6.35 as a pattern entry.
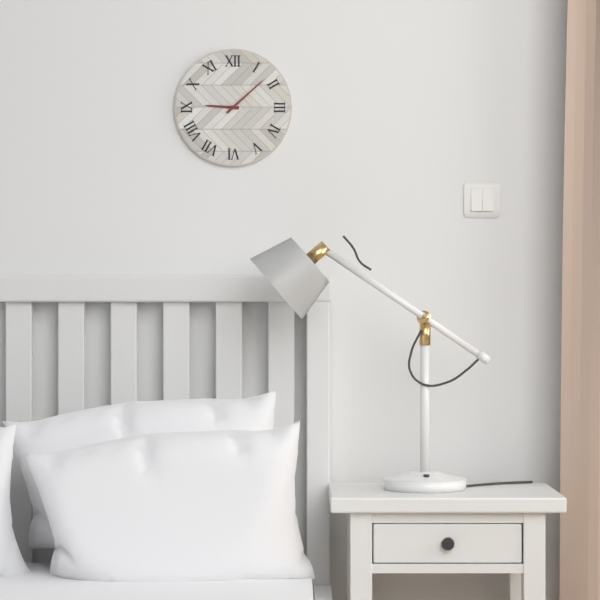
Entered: 9.08
